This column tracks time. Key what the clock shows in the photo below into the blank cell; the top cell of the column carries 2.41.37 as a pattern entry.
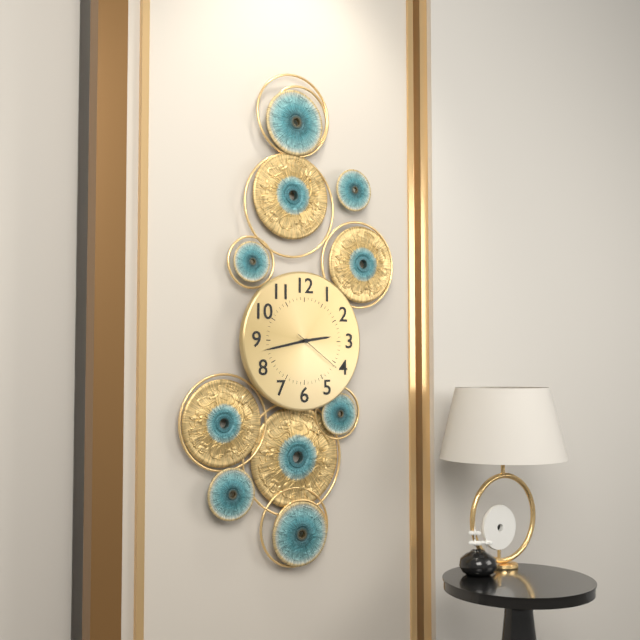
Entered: 2.43.21
